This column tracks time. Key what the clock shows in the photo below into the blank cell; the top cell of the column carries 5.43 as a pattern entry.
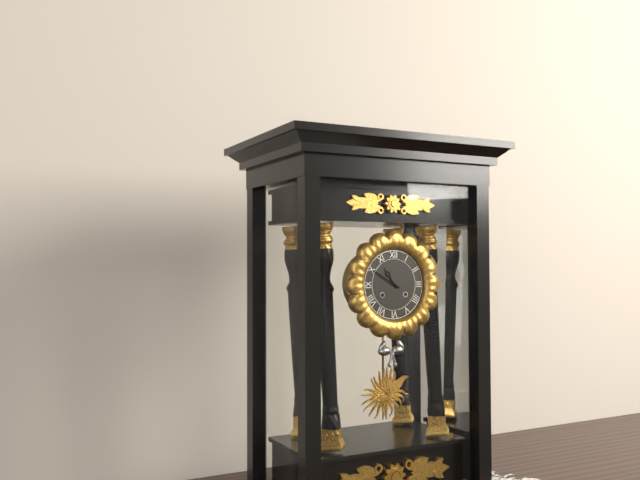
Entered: 10.50
